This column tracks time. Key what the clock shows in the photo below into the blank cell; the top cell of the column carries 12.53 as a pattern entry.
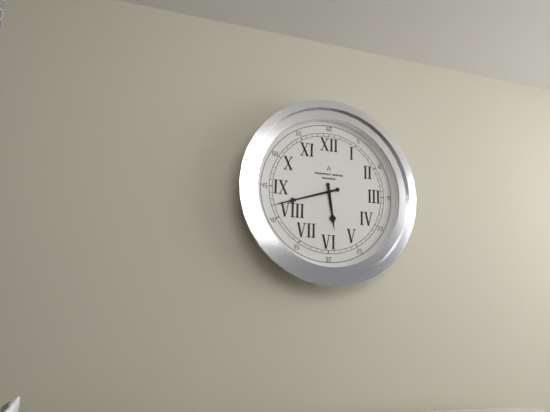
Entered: 5.42
